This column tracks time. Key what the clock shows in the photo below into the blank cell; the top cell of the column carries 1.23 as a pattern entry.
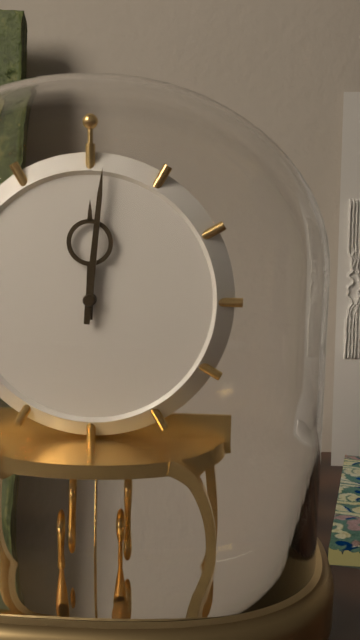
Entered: 12.01
